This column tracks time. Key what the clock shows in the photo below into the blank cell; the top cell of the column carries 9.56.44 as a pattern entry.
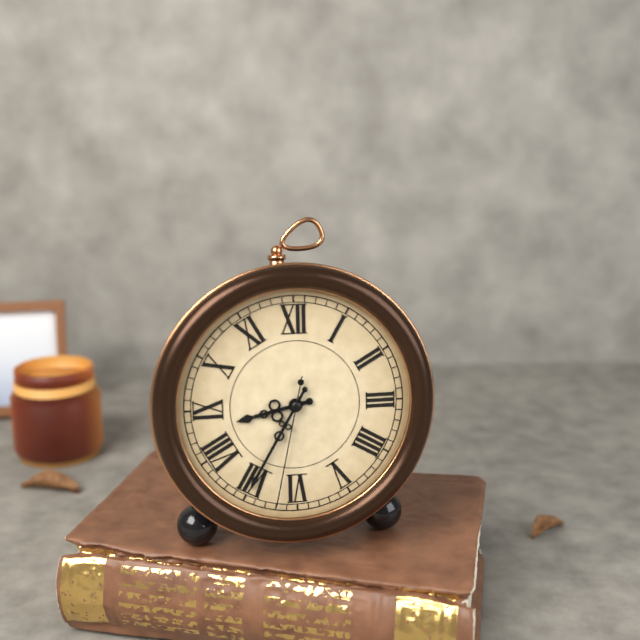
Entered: 8.35.32
